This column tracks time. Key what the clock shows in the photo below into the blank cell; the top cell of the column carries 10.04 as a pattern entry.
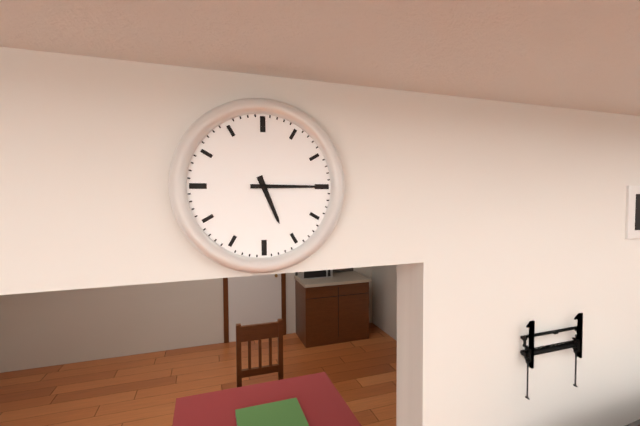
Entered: 5.15
